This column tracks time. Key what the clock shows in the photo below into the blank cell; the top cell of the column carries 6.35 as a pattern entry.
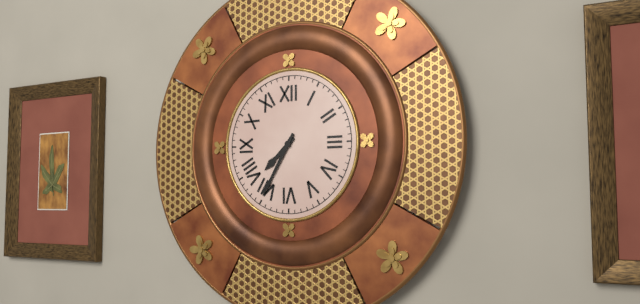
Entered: 7.35
